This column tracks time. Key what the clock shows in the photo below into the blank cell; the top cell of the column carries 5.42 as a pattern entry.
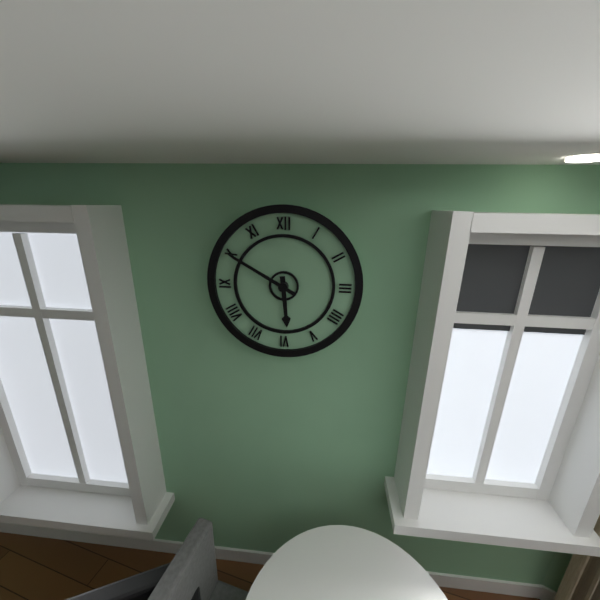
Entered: 5.50
